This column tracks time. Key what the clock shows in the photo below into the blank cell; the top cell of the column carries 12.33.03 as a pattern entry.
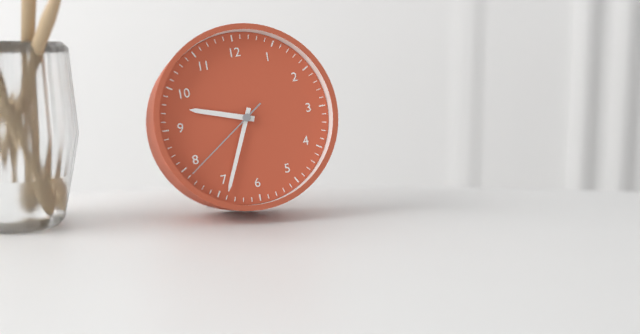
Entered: 9.34.39
